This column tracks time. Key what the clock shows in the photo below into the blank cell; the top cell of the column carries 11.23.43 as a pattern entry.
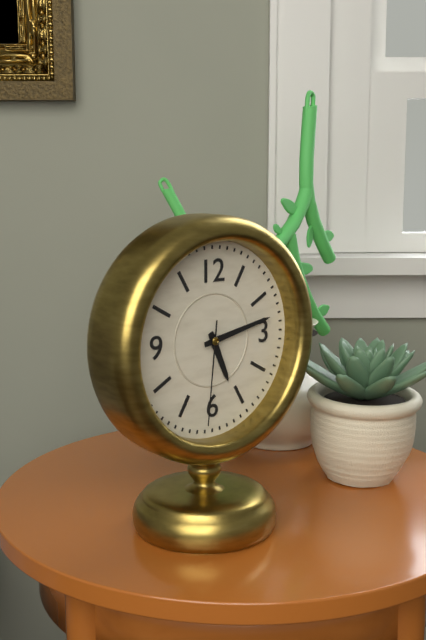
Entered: 5.13.31
